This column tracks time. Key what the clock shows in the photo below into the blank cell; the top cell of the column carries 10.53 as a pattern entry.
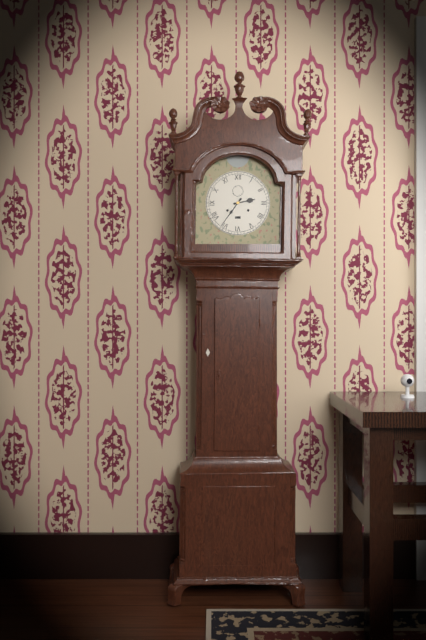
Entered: 2.36
